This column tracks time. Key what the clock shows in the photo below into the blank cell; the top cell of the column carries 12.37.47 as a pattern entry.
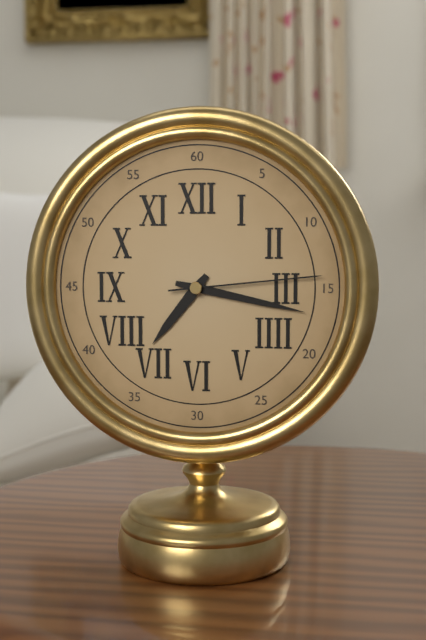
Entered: 7.17.14
